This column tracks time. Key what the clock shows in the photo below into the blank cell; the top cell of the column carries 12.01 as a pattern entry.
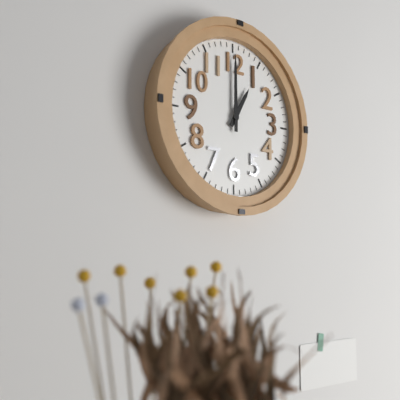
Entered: 1.00
